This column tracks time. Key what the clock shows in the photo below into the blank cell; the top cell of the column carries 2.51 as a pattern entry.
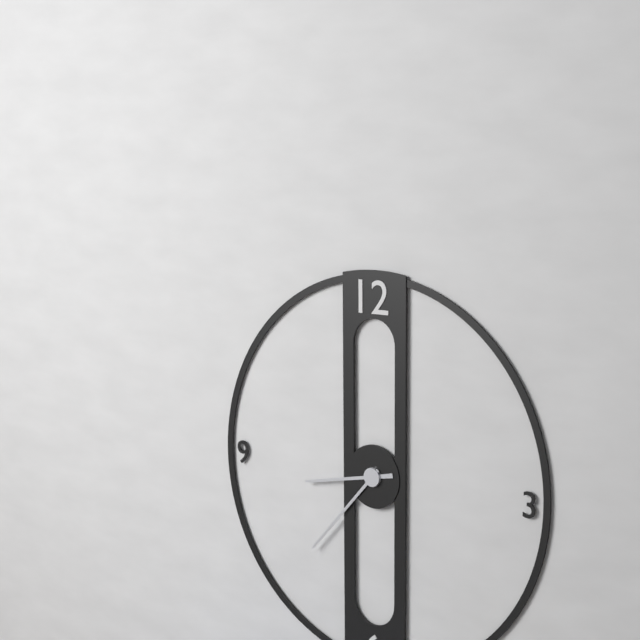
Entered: 8.37
